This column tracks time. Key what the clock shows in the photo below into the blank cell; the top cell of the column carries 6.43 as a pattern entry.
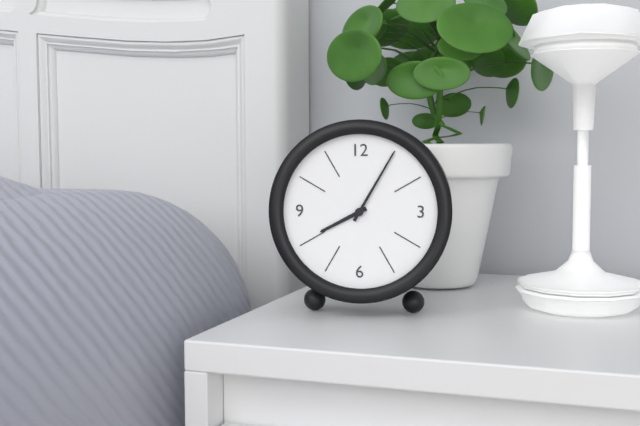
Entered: 8.05
